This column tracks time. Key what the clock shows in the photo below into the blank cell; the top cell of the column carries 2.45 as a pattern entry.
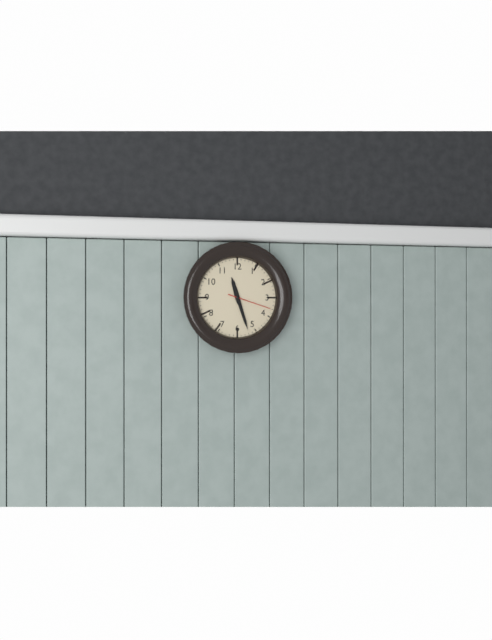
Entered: 11.27
